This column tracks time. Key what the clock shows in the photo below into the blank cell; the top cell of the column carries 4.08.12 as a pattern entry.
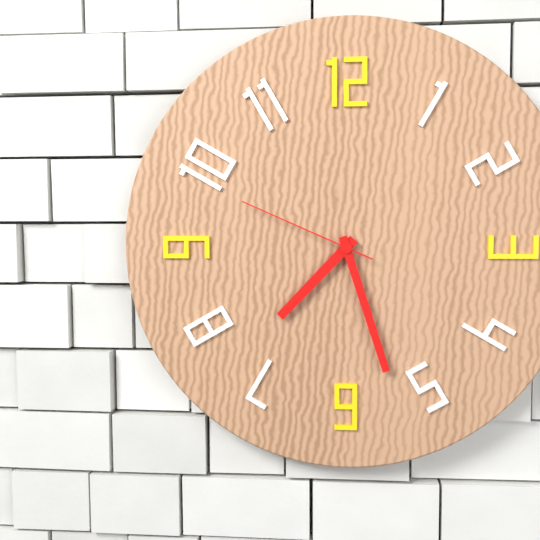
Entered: 7.27.49
